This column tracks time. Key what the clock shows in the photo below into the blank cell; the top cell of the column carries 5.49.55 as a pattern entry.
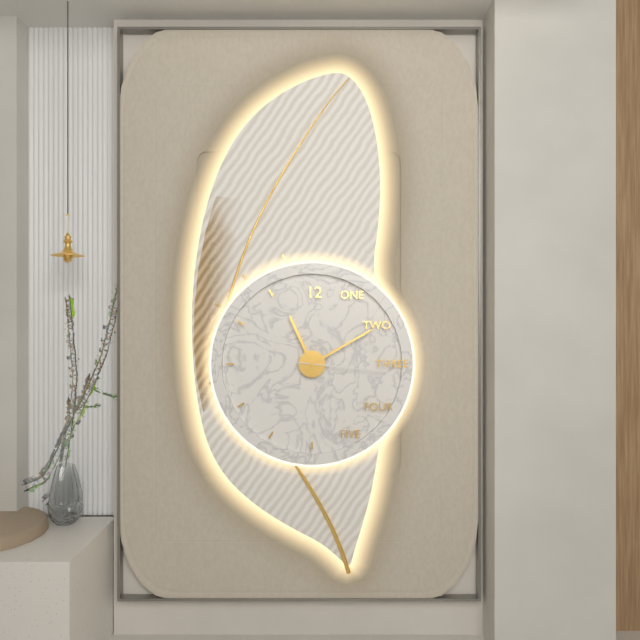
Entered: 11.10.16
